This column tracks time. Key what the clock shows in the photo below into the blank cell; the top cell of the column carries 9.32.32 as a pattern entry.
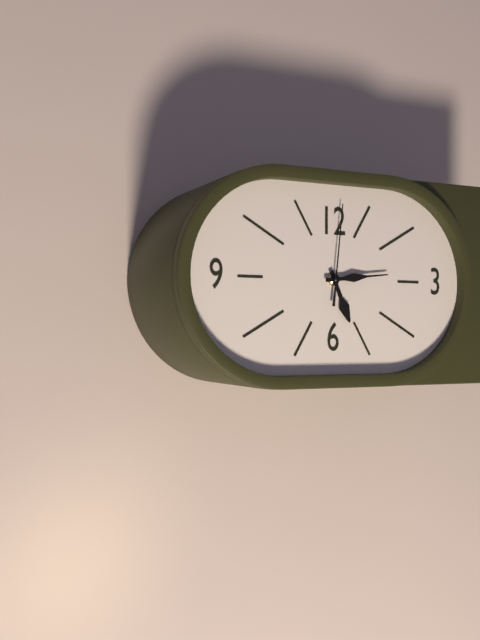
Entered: 5.14.01
